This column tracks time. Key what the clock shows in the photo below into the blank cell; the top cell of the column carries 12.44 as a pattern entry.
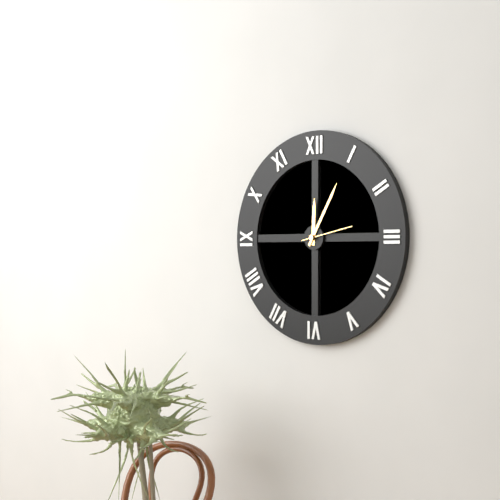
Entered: 12.05
